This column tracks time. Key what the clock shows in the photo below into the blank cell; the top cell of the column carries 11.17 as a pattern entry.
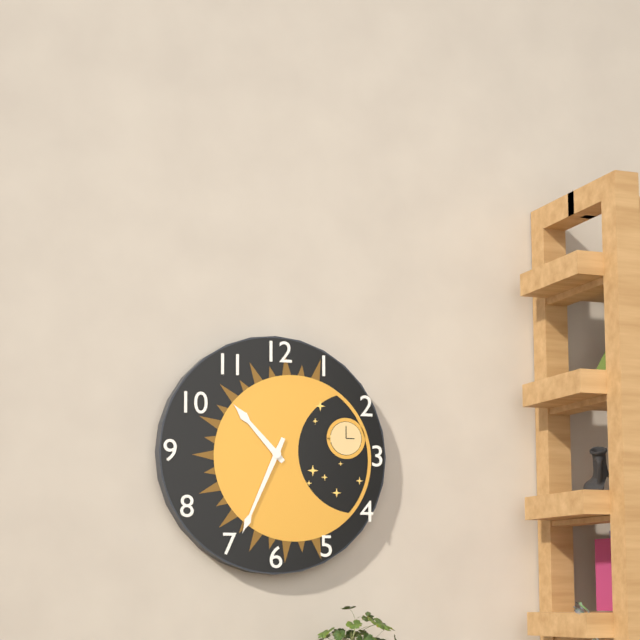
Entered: 10.34
